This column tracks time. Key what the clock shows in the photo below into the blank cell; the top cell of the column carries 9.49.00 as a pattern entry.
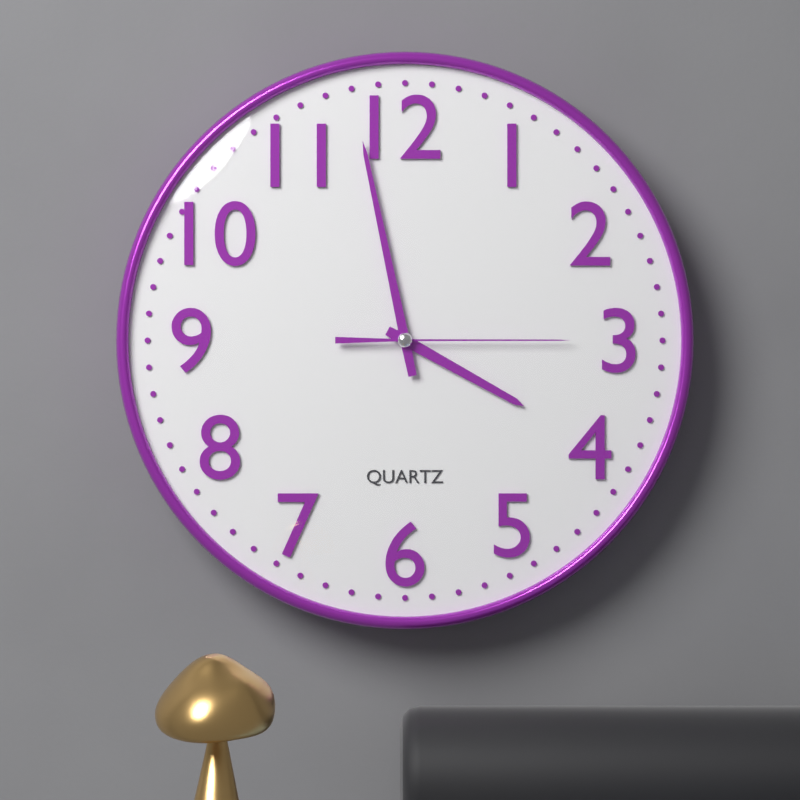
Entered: 3.58.15
